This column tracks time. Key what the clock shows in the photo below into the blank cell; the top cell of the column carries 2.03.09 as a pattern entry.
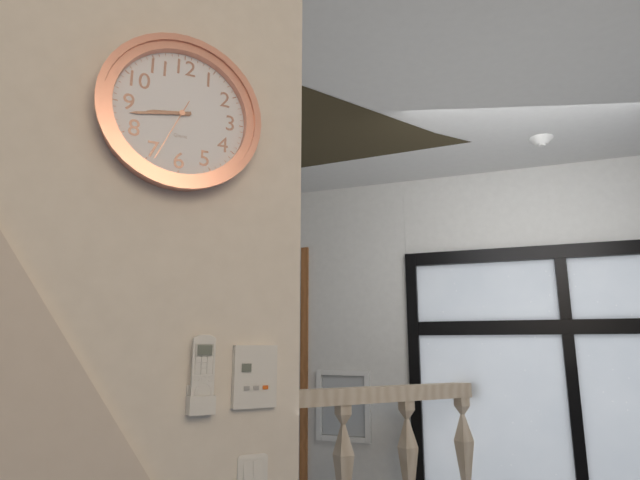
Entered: 8.43.34
